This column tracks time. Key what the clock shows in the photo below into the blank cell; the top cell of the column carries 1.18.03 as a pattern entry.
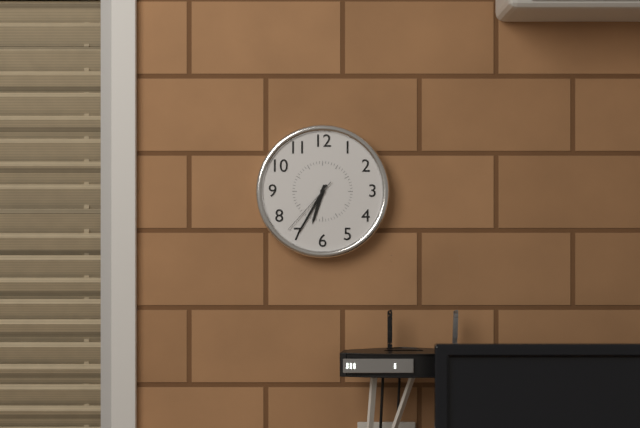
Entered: 6.35.37
